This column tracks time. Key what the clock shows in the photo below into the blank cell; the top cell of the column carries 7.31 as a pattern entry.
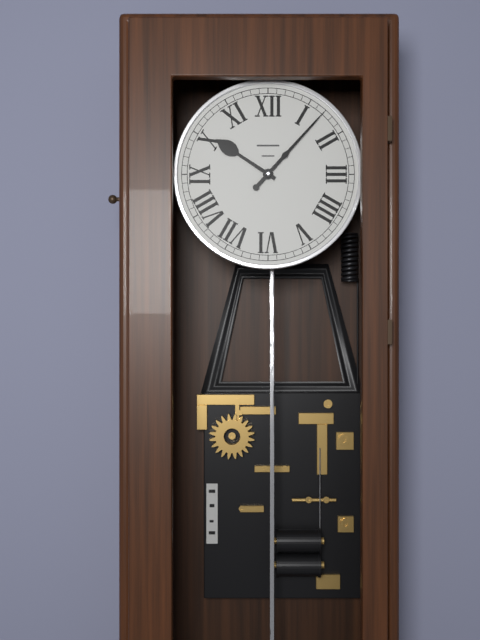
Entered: 10.07
